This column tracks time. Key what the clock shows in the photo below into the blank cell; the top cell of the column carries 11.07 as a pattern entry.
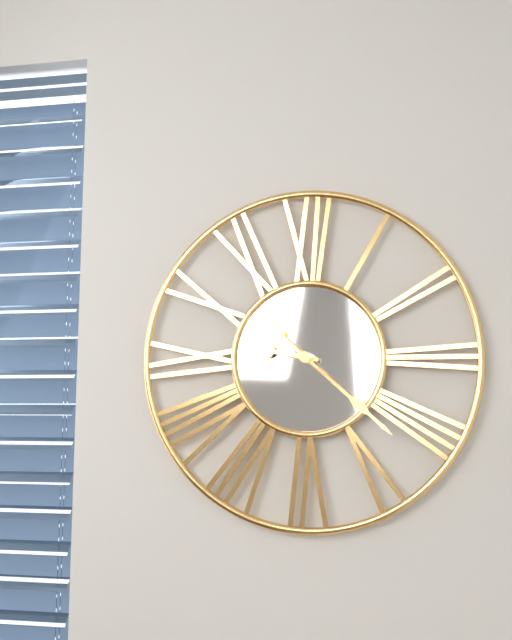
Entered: 9.22
